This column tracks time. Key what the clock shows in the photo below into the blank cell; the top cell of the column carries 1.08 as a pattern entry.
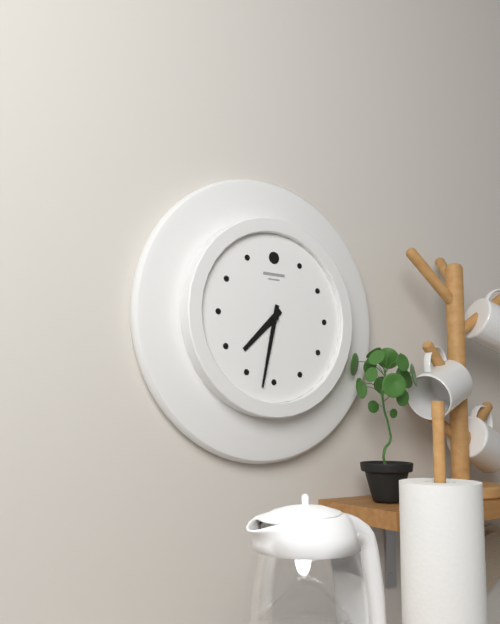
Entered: 7.32
